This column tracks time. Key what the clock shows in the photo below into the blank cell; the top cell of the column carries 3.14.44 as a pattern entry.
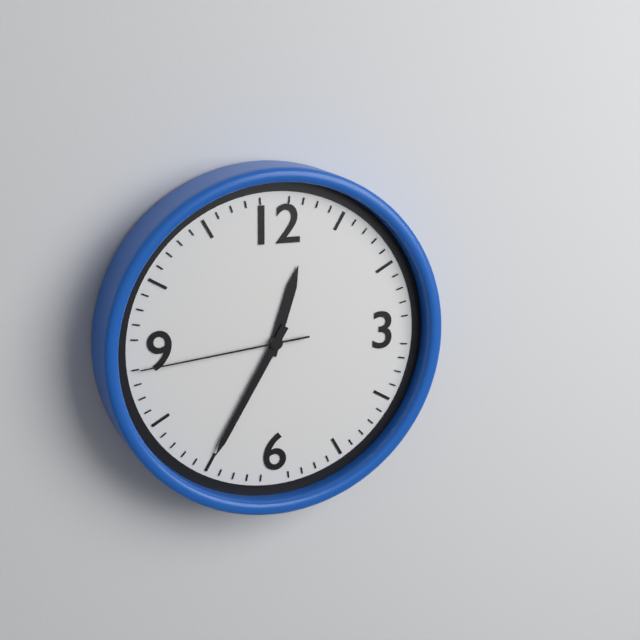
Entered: 12.35.44
